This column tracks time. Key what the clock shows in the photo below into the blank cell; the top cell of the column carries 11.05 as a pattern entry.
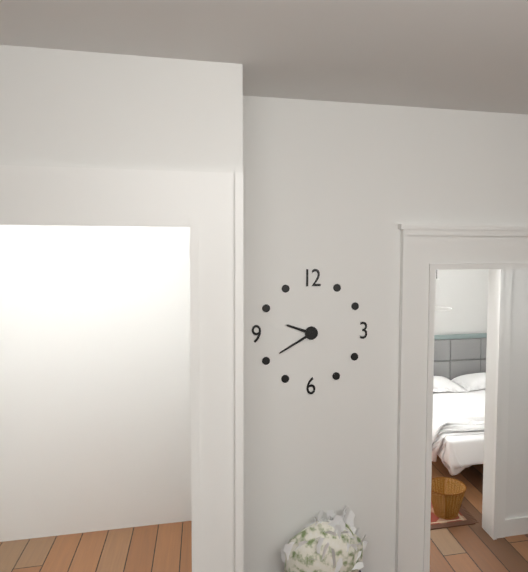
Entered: 9.40
